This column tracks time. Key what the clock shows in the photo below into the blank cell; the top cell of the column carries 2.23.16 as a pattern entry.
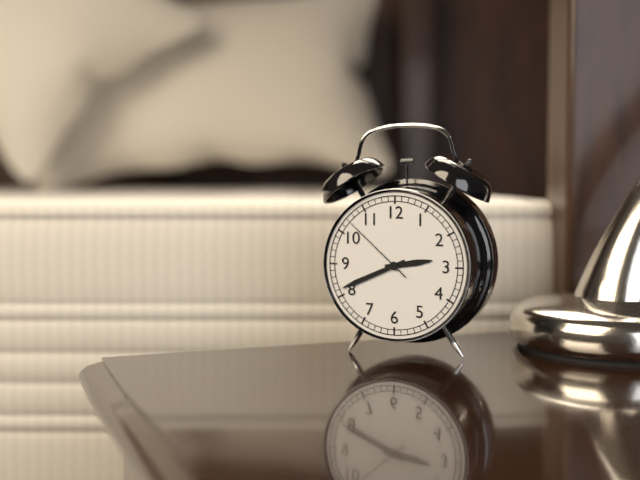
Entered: 2.41.52
